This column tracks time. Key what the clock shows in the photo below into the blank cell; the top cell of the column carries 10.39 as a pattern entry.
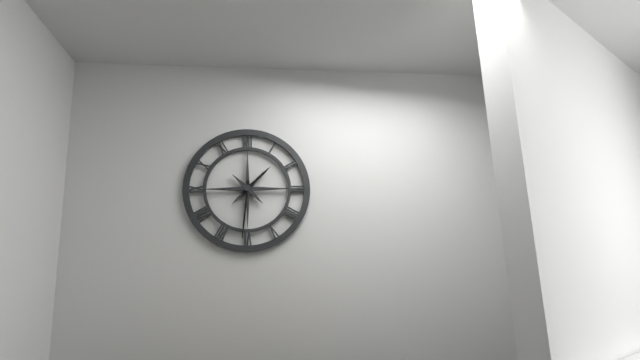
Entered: 1.31
